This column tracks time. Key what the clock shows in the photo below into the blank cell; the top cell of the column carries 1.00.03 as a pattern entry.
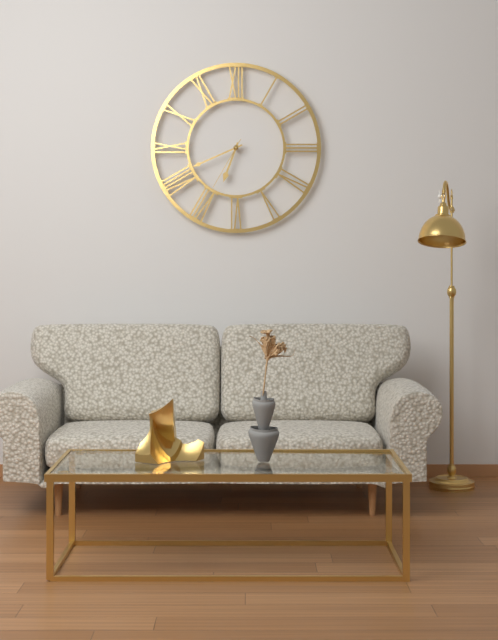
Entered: 6.41.35
